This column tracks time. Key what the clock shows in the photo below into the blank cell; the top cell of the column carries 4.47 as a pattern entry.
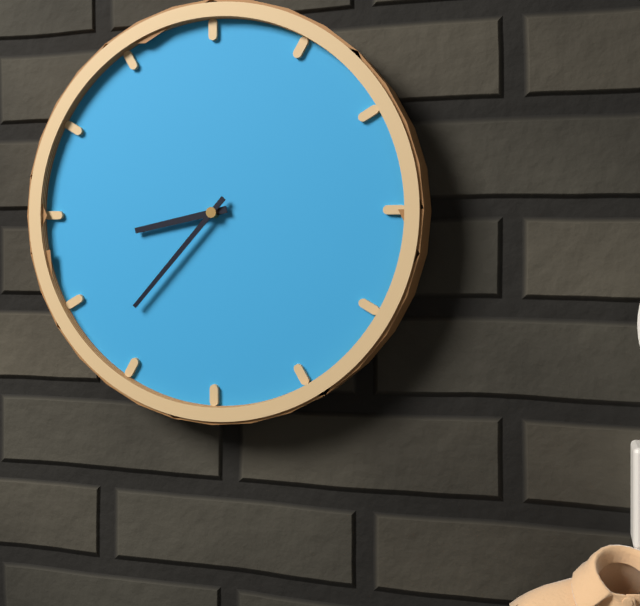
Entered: 8.37
